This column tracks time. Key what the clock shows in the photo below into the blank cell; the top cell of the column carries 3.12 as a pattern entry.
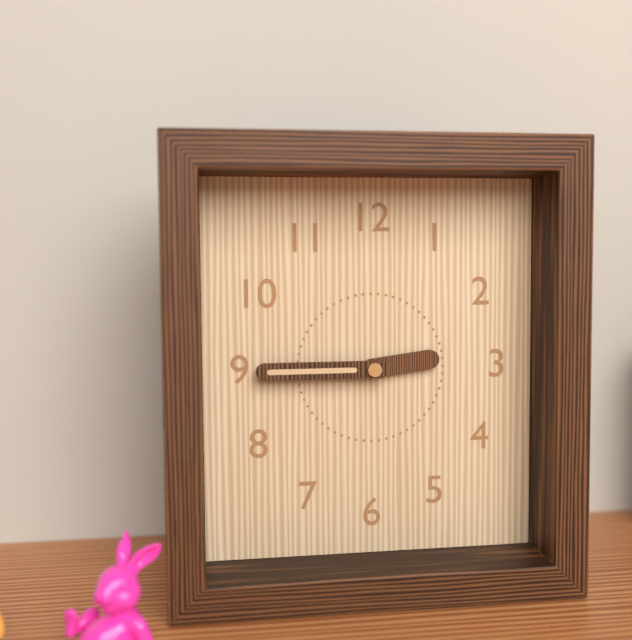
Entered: 2.45
